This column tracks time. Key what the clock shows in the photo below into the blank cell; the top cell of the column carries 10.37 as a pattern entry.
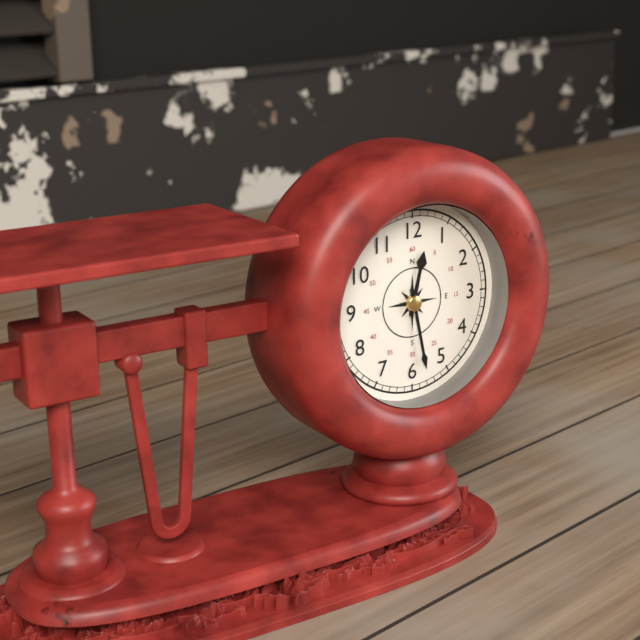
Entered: 12.28
